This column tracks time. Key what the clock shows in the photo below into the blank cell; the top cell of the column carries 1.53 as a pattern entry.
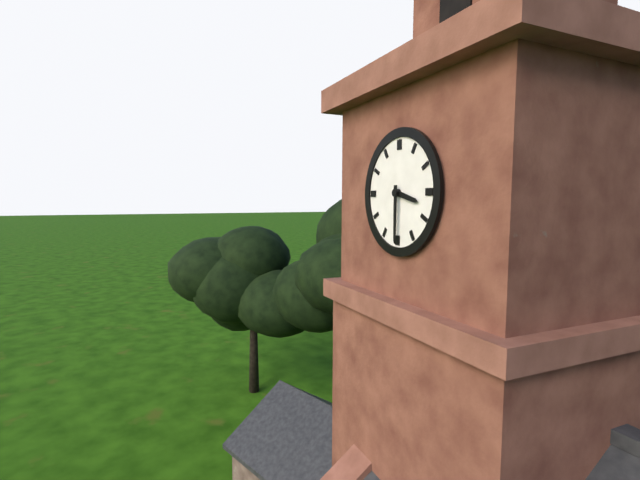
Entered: 3.30
